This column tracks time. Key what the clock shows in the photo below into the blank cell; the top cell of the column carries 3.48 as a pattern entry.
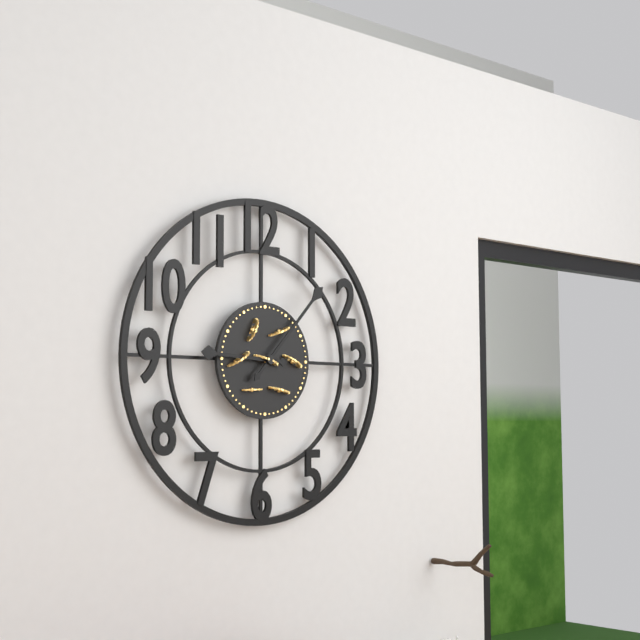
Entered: 9.07
